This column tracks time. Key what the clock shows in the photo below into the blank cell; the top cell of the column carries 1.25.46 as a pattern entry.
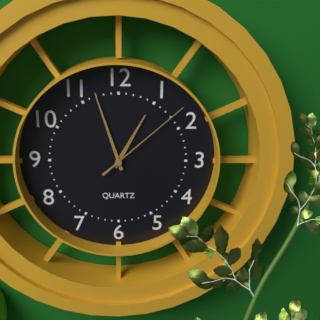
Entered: 12.57.08
